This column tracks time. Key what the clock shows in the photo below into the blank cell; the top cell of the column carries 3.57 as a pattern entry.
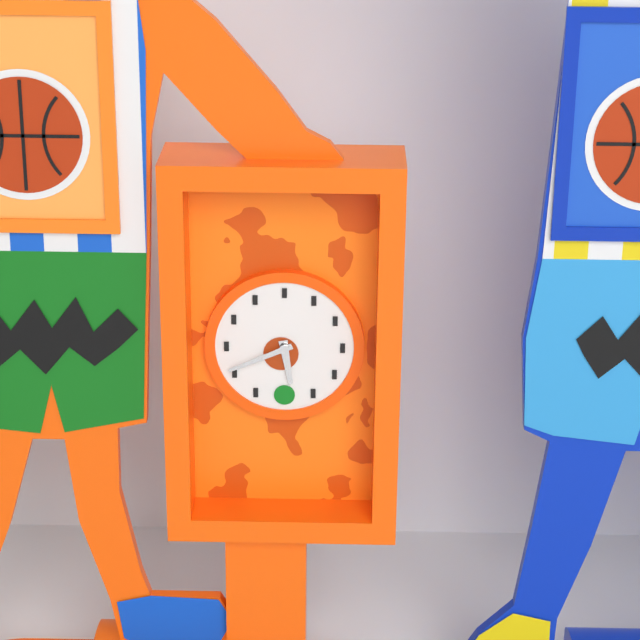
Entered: 5.41
